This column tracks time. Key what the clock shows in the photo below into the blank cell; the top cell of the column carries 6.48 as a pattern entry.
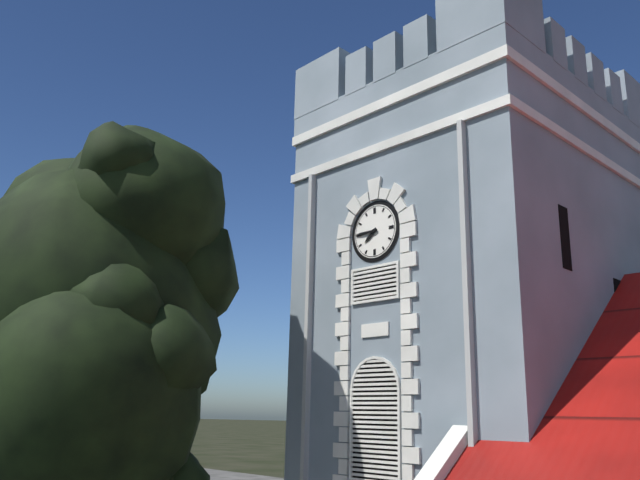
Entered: 7.45
